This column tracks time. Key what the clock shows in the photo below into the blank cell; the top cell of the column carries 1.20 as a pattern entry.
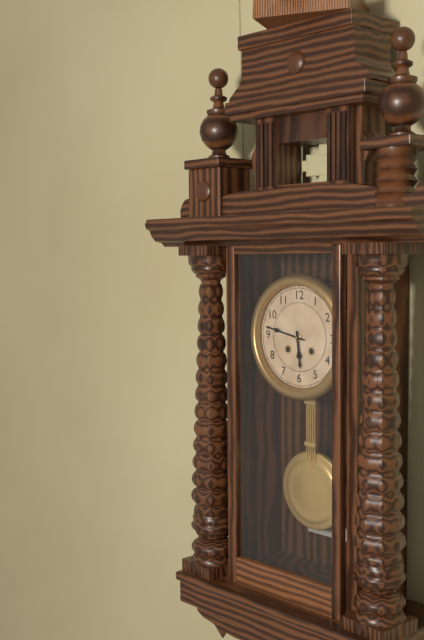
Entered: 5.47
